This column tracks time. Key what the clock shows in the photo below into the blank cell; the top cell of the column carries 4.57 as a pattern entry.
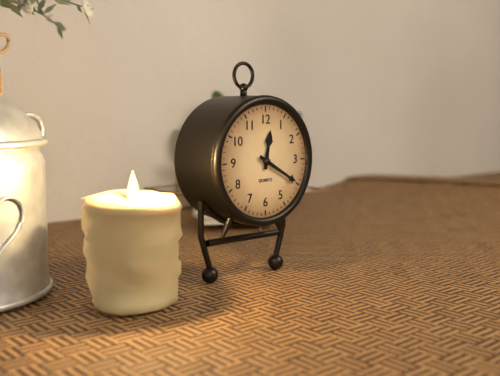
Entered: 12.20
